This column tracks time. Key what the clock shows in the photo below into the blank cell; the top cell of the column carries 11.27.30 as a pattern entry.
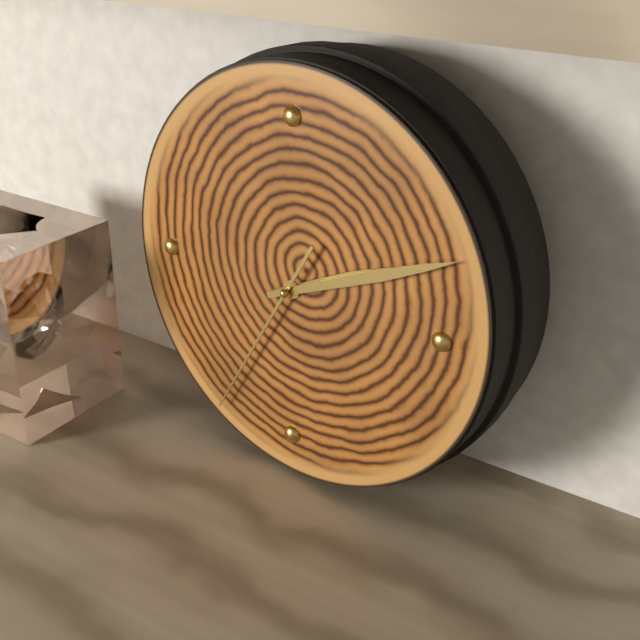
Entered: 2.11.35
